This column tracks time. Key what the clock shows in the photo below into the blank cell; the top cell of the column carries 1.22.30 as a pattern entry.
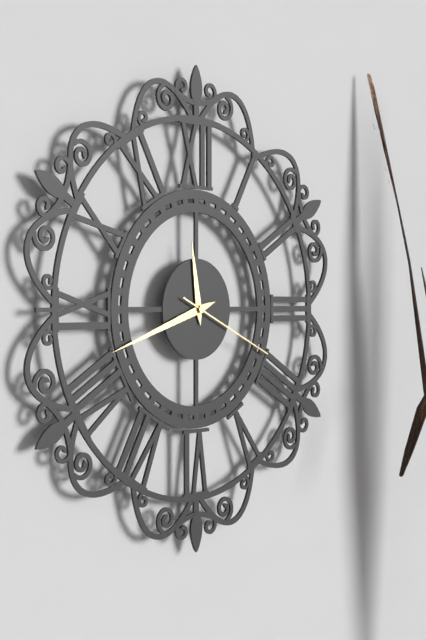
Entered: 11.42.19
